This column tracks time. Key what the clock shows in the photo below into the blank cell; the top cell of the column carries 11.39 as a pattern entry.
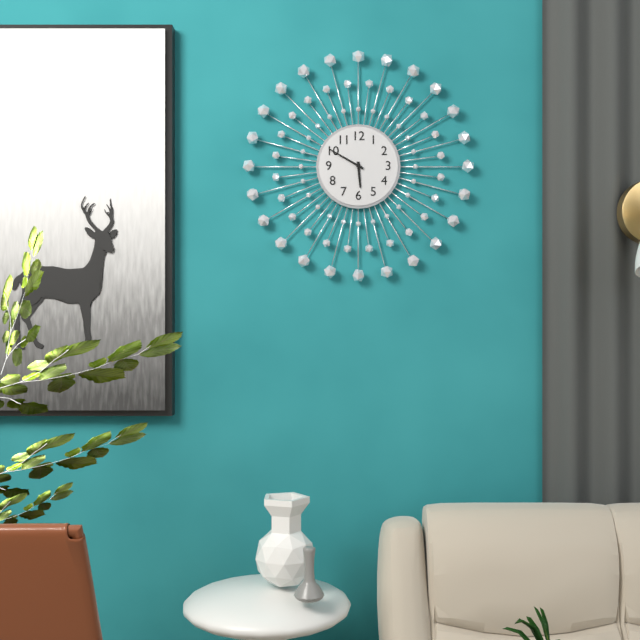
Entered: 5.50
